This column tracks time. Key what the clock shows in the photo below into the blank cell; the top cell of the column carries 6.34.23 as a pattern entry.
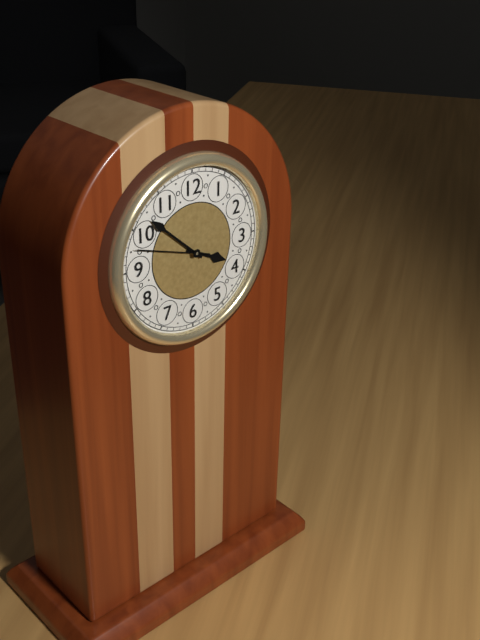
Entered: 3.52.48
